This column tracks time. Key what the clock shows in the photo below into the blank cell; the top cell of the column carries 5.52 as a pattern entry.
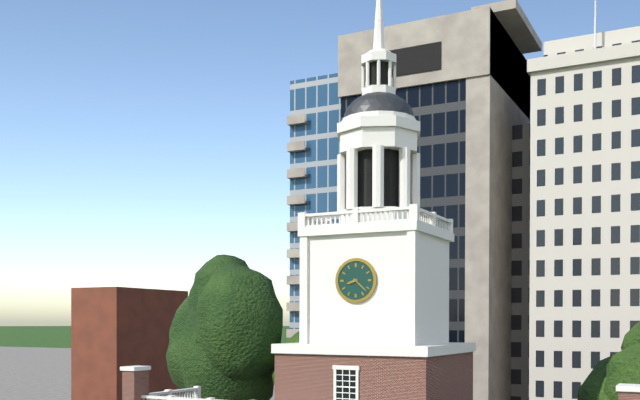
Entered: 8.22
